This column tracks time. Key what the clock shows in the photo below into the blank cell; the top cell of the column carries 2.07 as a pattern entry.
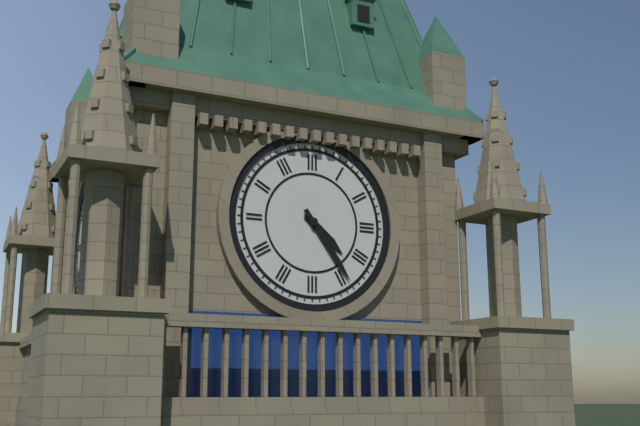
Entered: 4.24
